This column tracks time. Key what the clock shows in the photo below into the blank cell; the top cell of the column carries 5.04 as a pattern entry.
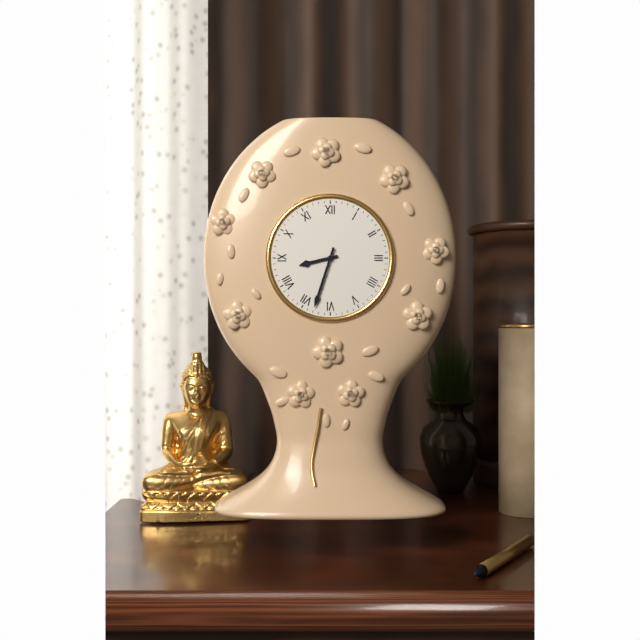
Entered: 8.33
